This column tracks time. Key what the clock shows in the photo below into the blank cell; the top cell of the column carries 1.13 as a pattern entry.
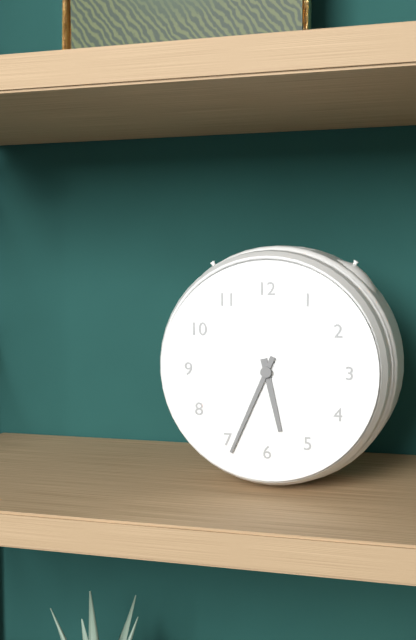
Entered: 5.34
